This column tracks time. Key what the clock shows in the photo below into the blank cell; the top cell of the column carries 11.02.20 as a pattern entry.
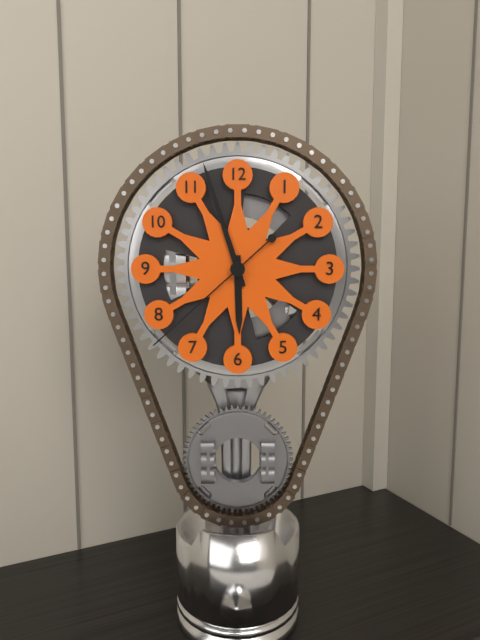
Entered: 5.57.38
